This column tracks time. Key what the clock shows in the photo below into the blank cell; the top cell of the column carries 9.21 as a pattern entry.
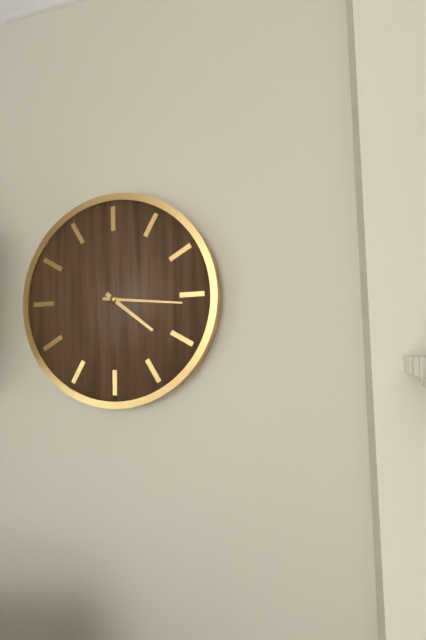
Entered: 4.16
